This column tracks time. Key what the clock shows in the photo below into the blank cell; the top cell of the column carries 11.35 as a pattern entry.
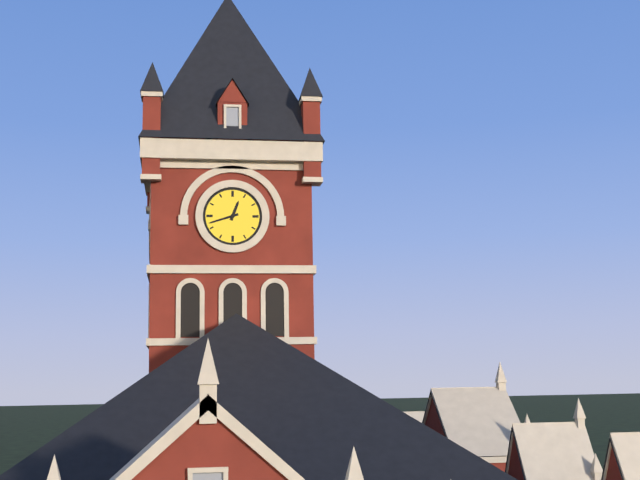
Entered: 12.42
